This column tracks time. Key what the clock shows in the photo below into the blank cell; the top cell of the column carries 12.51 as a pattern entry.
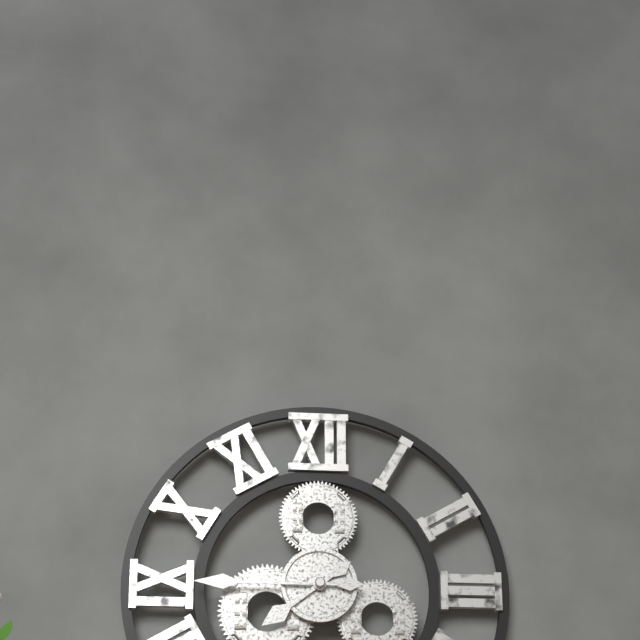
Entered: 7.45
